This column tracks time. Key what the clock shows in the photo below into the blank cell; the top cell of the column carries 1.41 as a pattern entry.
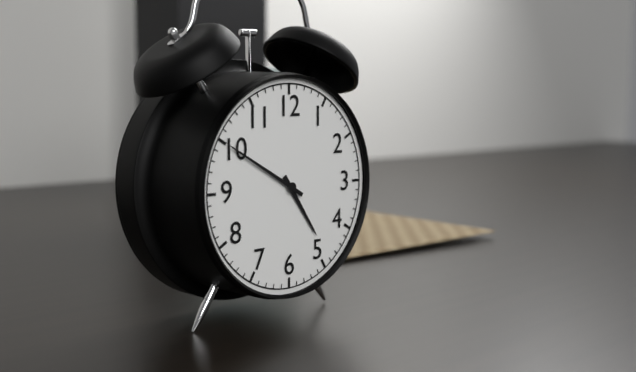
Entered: 4.50
